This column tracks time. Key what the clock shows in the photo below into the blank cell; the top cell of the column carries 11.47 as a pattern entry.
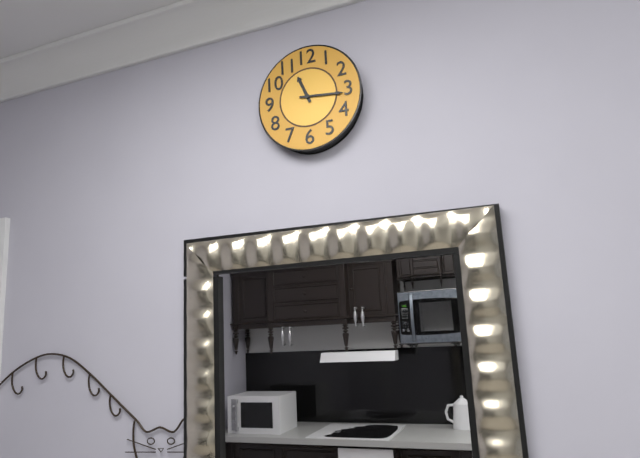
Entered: 11.16
